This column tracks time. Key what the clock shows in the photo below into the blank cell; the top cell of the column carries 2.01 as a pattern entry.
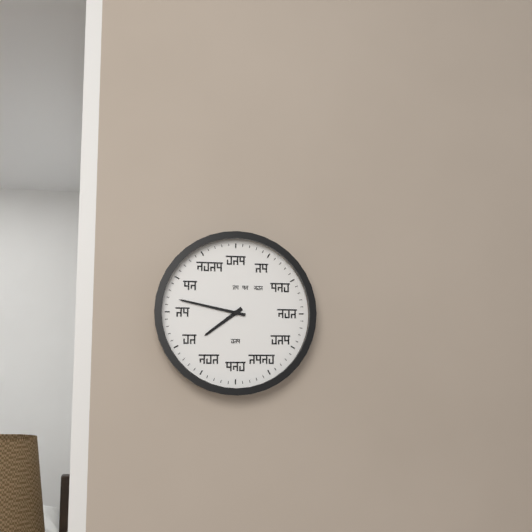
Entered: 7.47
